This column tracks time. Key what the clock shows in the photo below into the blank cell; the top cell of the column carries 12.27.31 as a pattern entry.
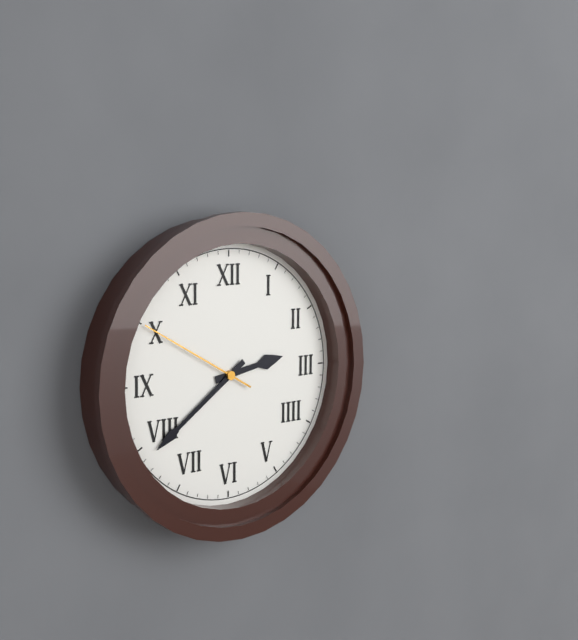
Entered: 2.39.50
